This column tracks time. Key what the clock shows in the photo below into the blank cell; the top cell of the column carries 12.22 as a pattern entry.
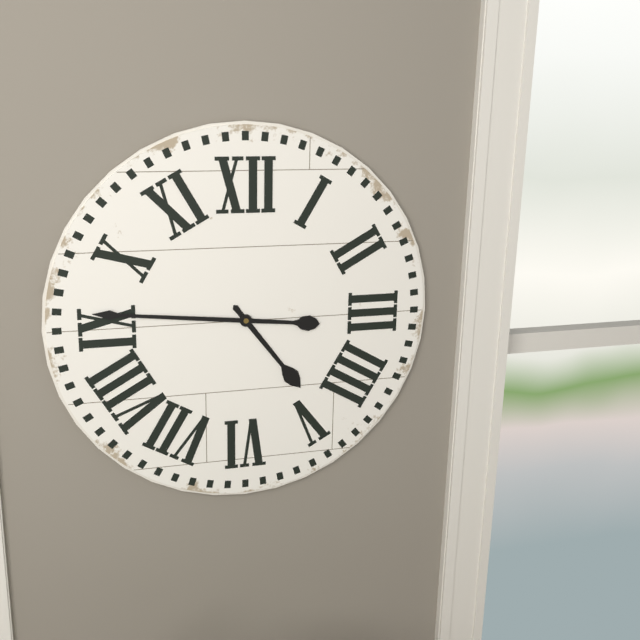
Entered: 4.46
